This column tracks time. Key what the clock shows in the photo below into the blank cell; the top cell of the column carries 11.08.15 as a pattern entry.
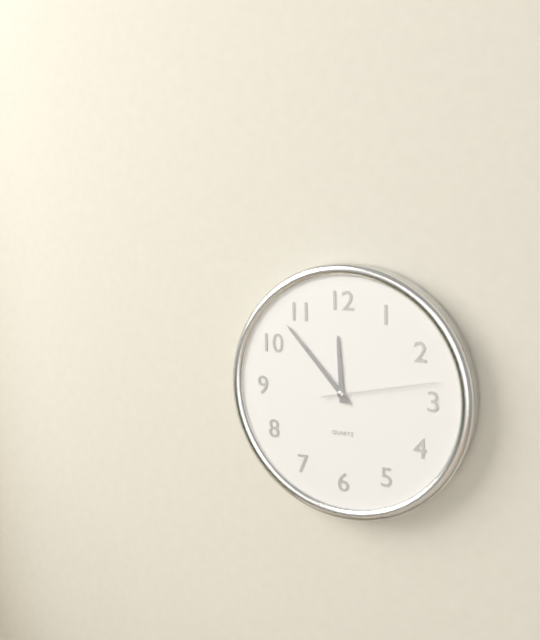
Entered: 11.53.13
